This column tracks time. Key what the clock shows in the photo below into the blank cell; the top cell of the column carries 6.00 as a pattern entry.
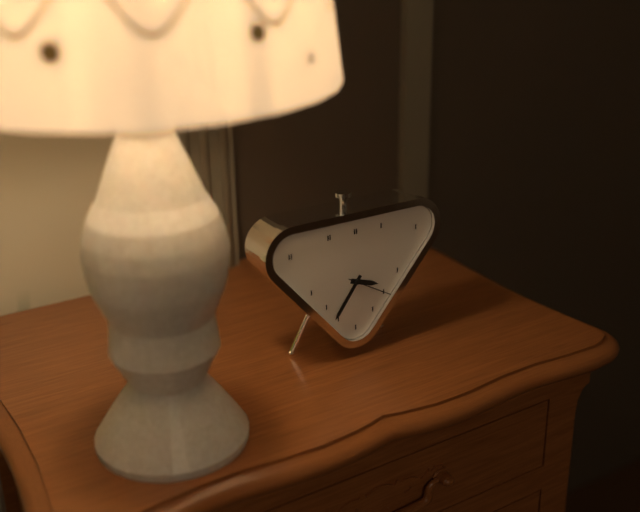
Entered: 3.36
